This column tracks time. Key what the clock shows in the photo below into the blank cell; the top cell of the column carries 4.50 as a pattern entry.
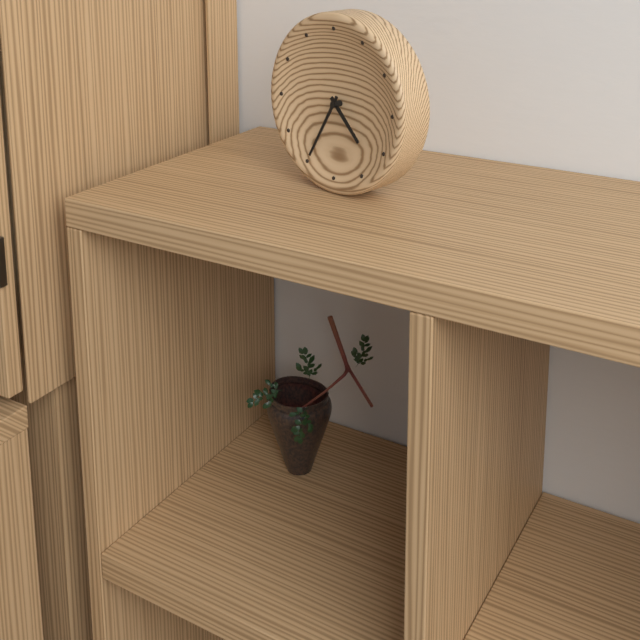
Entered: 4.35
